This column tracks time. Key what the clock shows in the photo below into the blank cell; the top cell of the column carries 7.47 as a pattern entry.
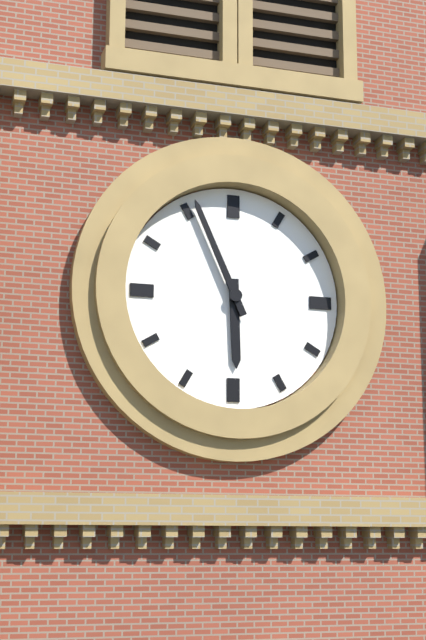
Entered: 5.56
